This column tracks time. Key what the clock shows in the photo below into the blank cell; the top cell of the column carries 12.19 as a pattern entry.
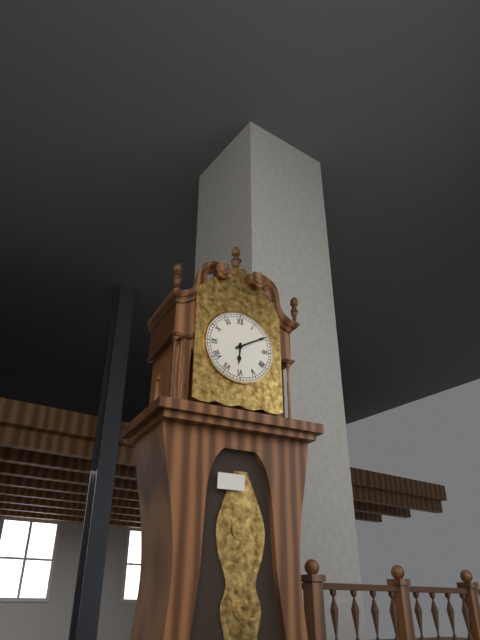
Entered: 6.10
